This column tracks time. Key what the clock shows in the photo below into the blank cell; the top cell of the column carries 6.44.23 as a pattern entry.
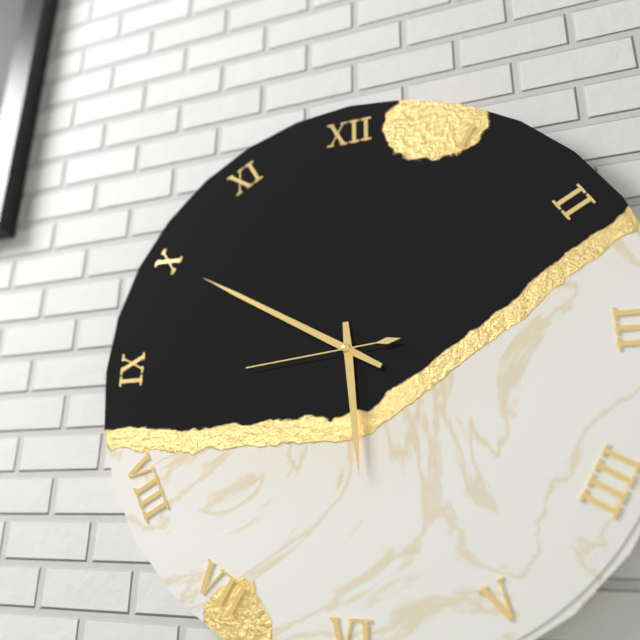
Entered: 5.50.44
